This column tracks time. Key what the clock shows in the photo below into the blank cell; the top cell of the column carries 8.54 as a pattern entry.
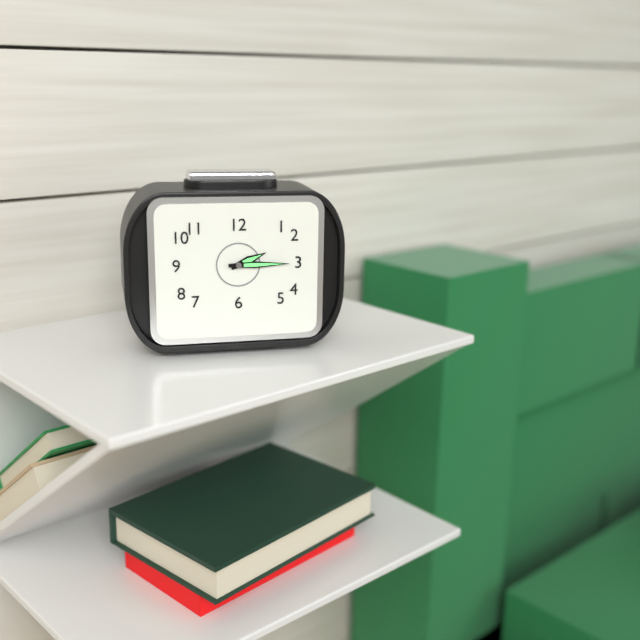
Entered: 2.15
